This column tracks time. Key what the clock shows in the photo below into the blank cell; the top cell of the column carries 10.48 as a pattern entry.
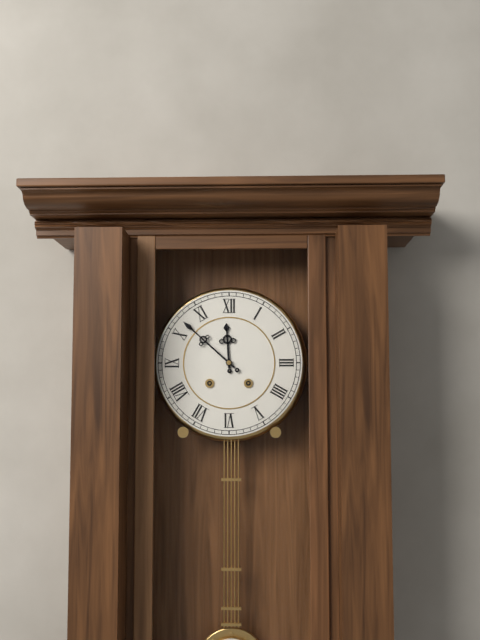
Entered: 11.52
